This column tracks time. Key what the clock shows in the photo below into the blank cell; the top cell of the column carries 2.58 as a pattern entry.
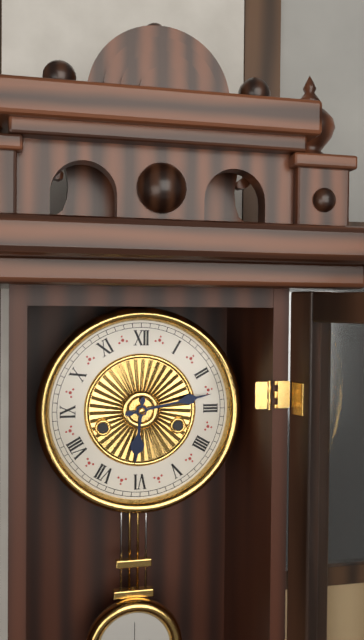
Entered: 6.13
